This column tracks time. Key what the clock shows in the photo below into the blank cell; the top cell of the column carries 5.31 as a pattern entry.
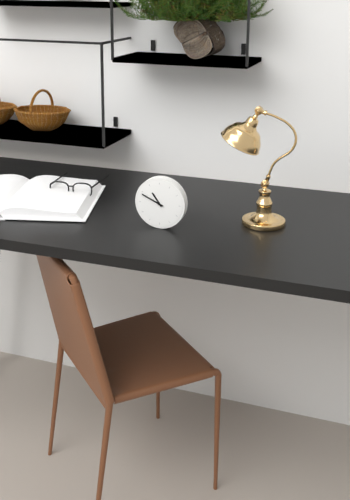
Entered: 10.49
